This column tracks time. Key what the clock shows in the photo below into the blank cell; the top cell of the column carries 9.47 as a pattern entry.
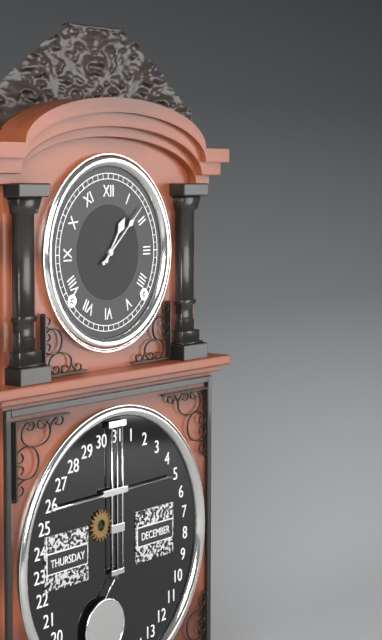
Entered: 1.08
